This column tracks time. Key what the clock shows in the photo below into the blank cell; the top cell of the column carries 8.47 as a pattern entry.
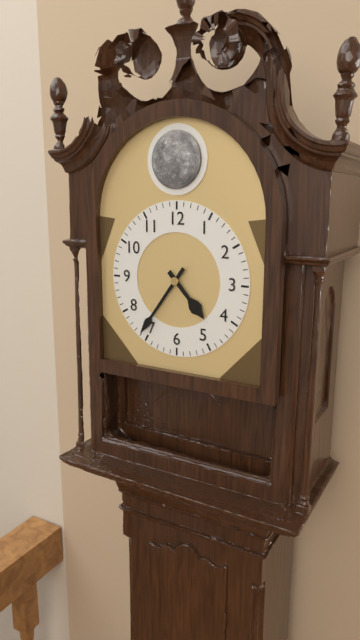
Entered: 4.36
